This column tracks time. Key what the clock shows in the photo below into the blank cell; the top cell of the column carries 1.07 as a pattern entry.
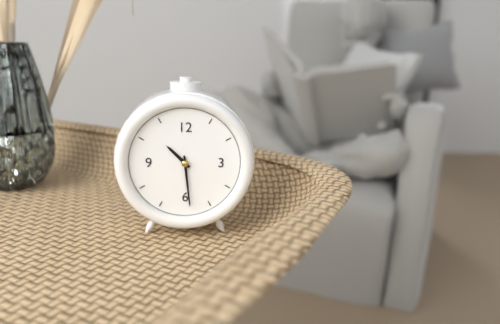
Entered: 10.29
